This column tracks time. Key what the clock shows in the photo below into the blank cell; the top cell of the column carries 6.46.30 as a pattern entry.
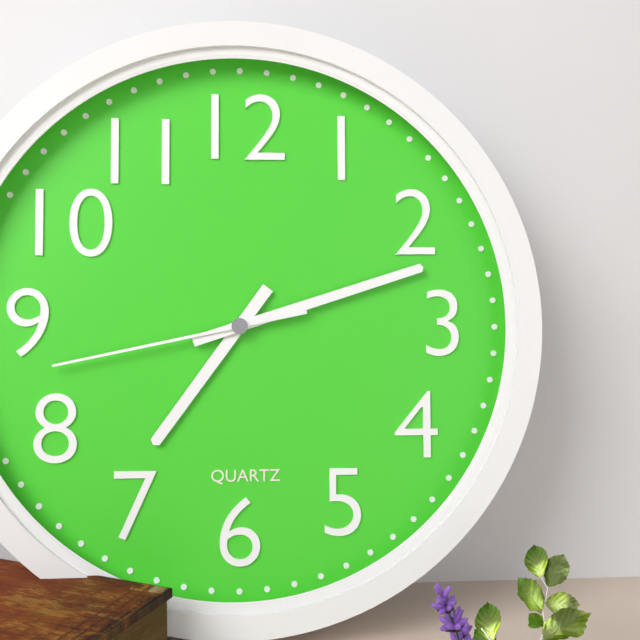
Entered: 7.12.43
